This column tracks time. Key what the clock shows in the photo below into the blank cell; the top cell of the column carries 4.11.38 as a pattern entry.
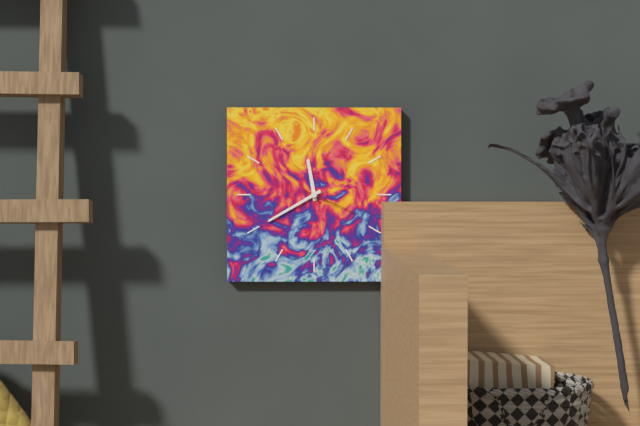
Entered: 11.40.19
